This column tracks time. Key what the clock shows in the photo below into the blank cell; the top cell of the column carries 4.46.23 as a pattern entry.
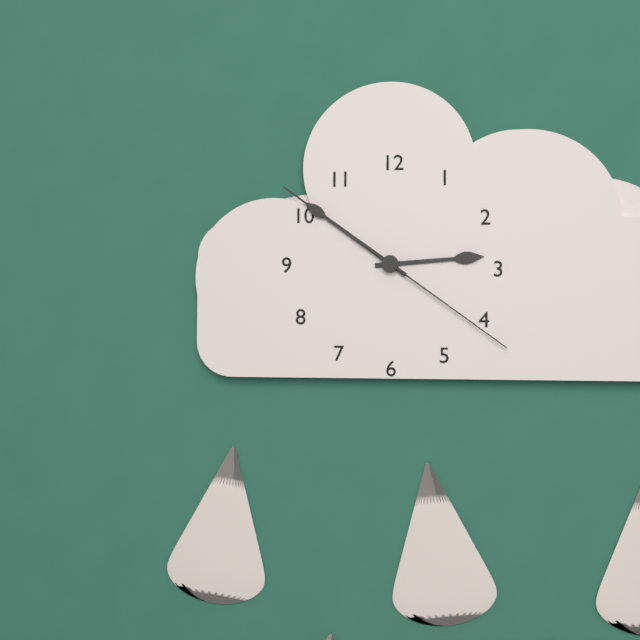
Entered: 2.51.21
